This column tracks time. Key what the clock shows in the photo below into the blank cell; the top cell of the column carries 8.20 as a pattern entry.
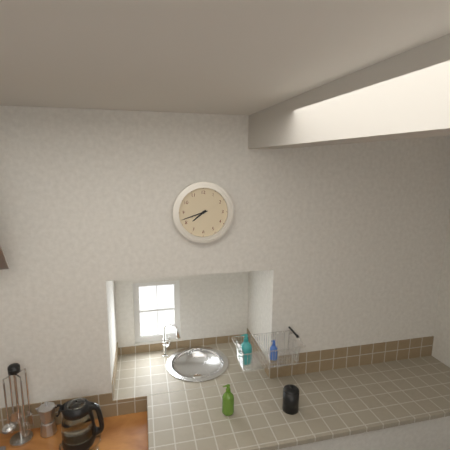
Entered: 7.42
